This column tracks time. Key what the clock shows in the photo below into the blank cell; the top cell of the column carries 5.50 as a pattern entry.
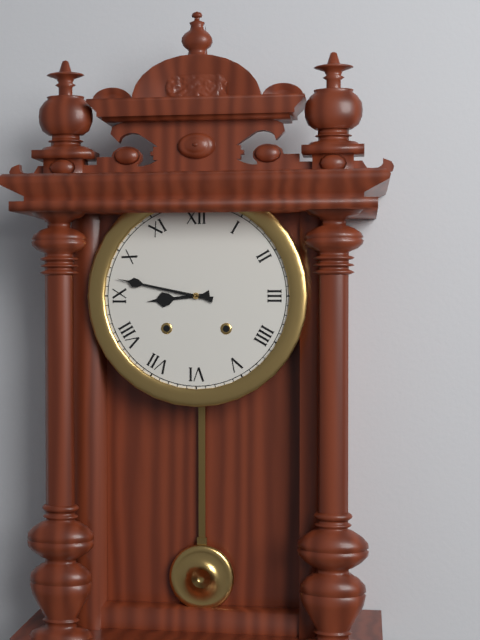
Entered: 8.47
